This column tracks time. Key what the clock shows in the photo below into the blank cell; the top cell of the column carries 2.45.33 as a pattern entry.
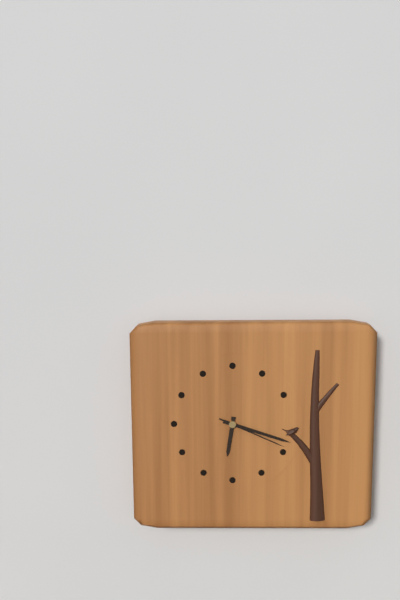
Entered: 6.18.19
